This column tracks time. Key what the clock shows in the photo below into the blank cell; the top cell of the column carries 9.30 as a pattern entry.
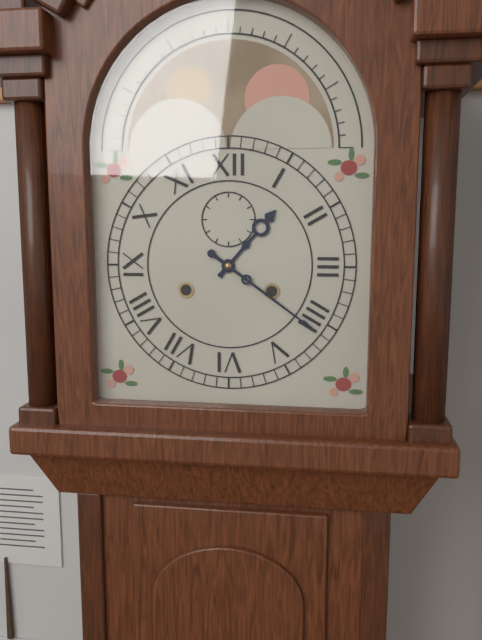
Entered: 1.21
